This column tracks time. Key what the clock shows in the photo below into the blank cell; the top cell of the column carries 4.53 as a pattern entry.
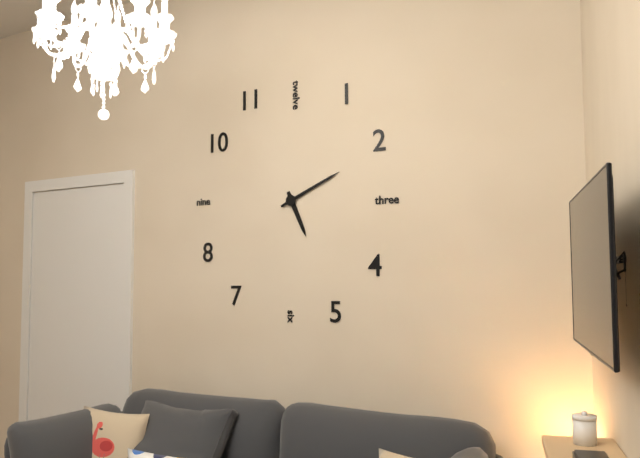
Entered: 5.11
